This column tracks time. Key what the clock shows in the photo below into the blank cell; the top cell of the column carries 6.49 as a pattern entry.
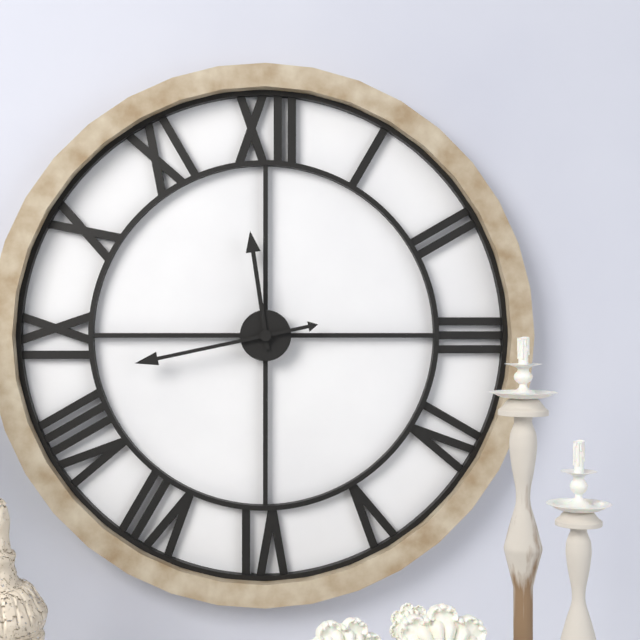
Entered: 11.43
